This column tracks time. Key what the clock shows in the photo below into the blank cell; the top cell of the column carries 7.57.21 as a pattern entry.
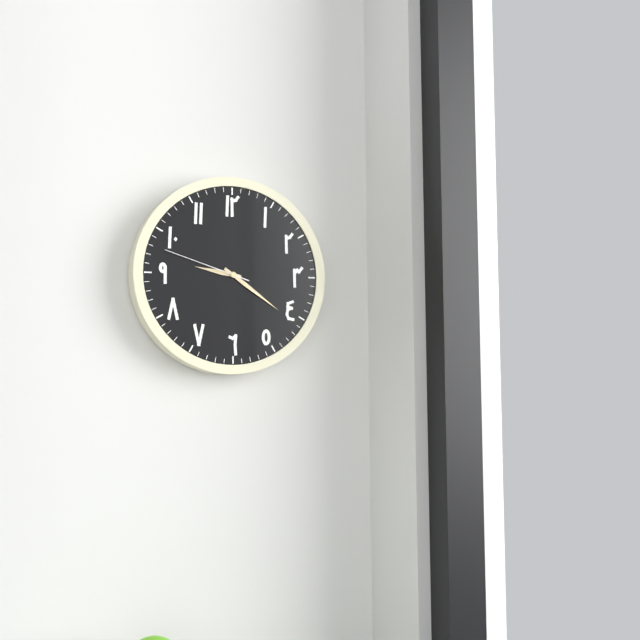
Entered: 9.21.48
